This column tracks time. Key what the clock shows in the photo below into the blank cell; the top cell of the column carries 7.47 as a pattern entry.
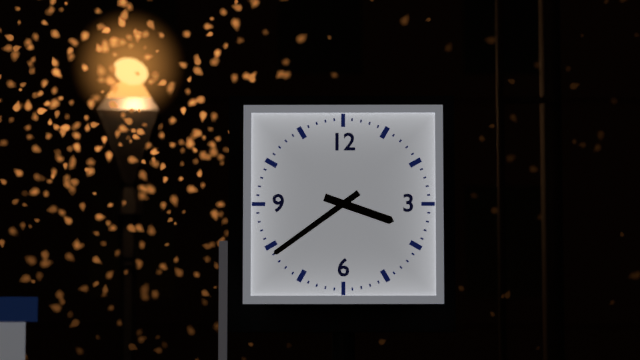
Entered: 3.39
